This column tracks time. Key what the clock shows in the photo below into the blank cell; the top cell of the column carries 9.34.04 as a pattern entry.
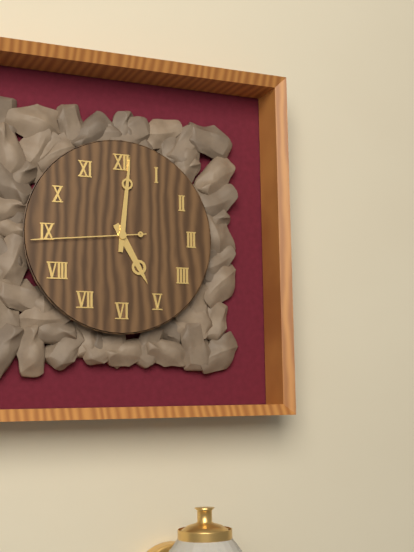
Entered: 5.01.44
